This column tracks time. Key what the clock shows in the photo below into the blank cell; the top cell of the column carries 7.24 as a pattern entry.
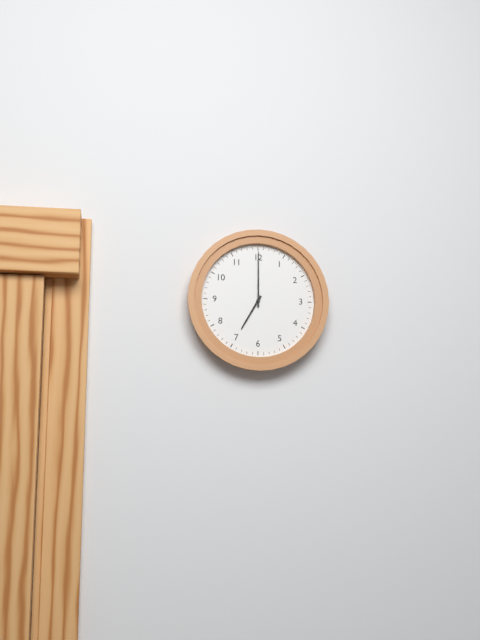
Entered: 7.00
